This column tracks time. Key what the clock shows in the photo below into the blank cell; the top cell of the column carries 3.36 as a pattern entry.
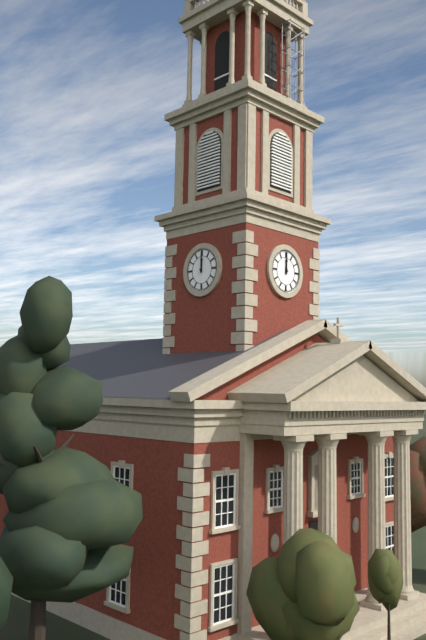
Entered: 12.00
